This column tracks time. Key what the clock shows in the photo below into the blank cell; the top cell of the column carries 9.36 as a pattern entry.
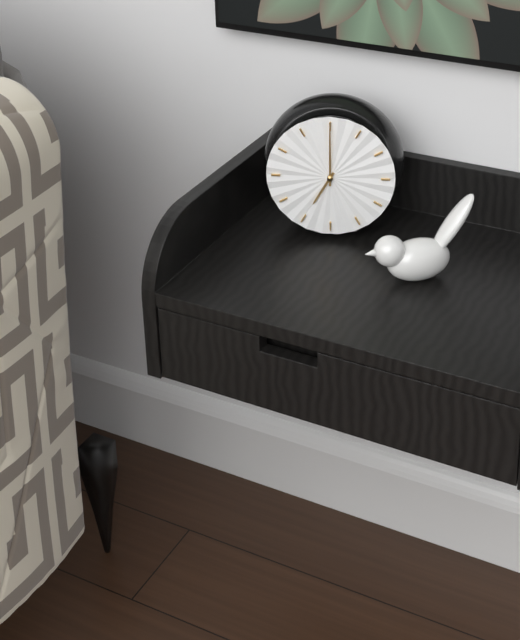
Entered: 7.00
